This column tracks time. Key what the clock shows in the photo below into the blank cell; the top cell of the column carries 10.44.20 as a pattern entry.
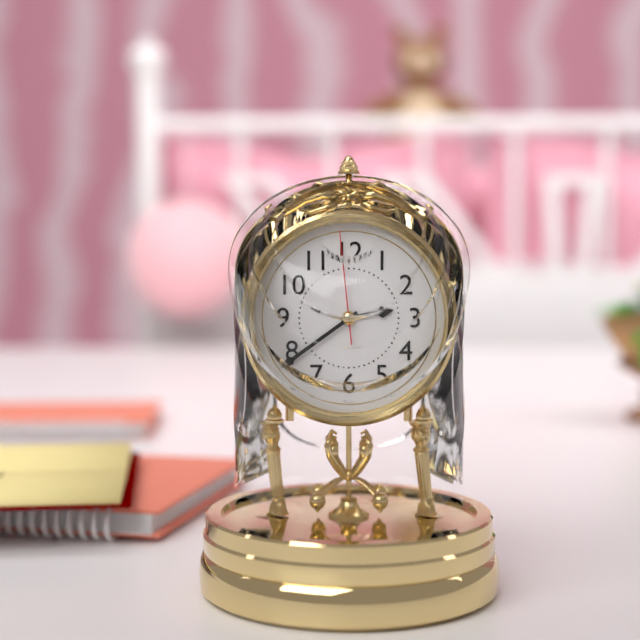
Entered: 2.39.59
